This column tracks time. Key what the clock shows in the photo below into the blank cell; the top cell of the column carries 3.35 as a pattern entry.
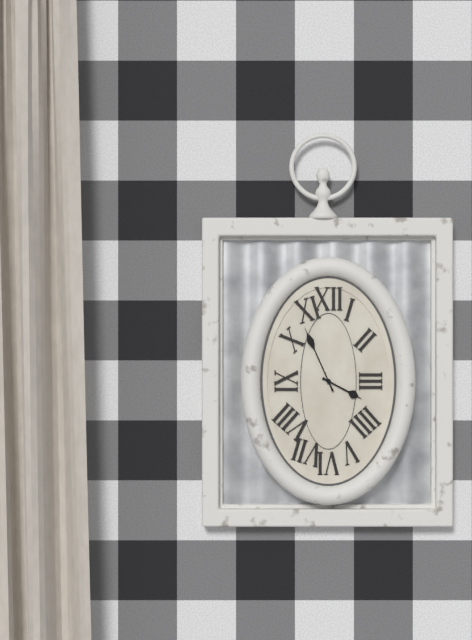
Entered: 3.56
